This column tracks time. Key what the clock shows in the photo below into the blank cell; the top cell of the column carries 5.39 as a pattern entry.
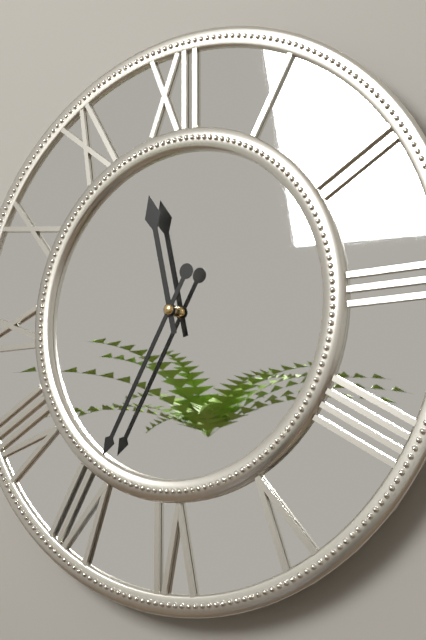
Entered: 11.35
